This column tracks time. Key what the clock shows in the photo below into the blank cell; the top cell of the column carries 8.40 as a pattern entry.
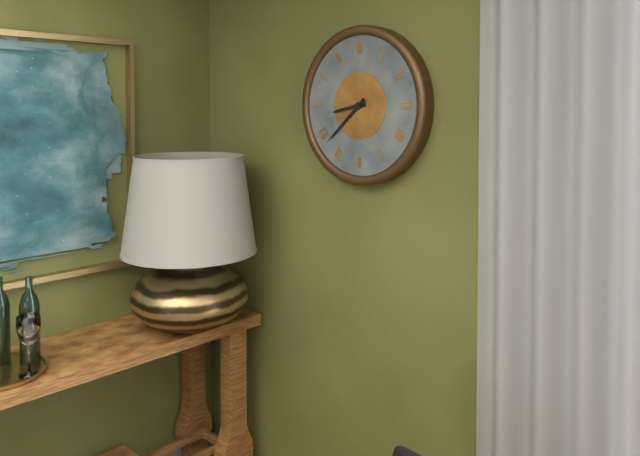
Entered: 8.38
